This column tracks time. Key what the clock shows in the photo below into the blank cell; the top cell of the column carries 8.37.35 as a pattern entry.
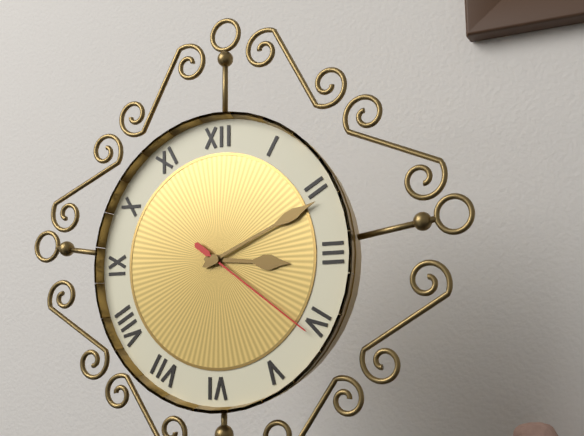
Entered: 3.11.21
